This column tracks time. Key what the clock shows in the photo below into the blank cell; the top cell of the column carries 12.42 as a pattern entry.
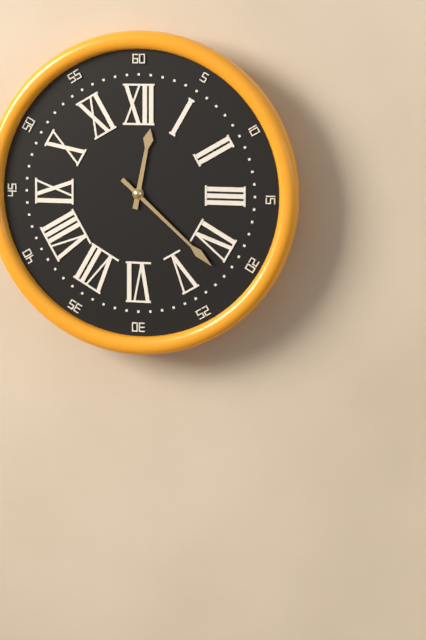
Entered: 12.22
